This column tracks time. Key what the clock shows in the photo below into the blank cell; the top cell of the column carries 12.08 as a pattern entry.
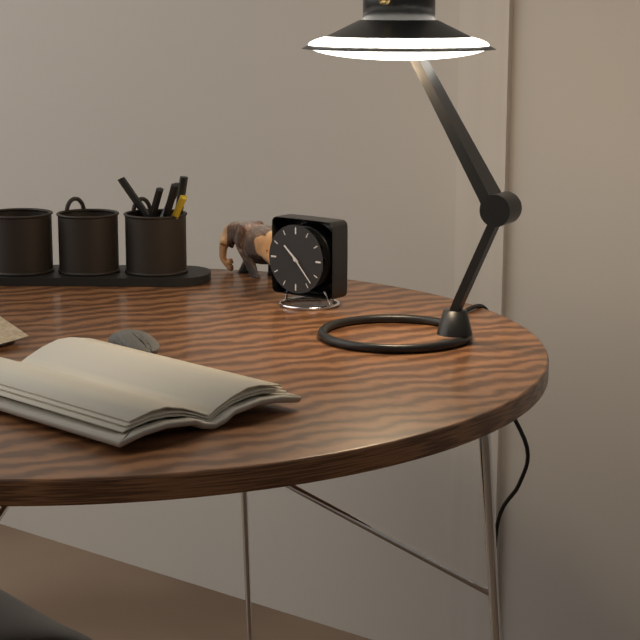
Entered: 10.23
